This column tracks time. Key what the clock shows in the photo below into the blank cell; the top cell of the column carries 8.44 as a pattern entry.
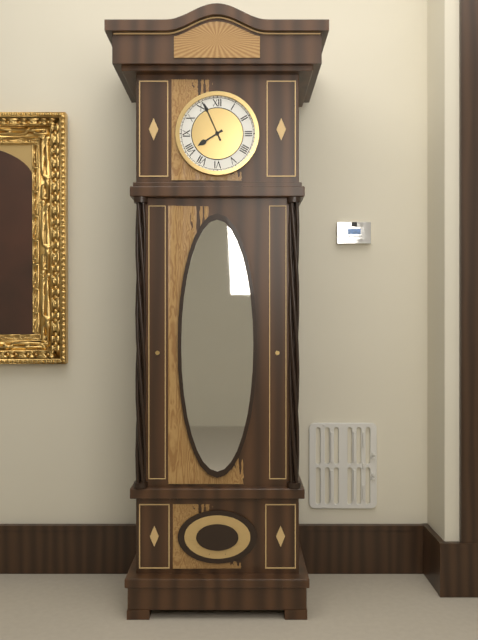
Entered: 7.56
